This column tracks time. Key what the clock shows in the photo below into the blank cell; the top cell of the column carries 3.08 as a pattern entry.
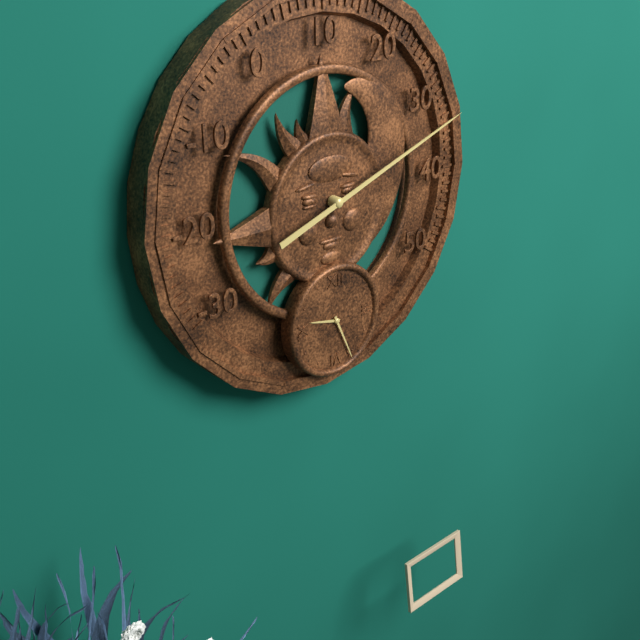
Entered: 9.26
